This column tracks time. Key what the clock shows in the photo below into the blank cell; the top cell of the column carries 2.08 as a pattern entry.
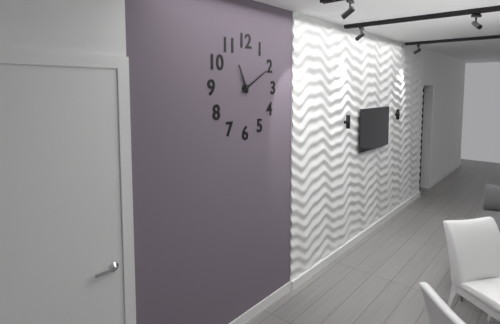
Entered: 11.10
